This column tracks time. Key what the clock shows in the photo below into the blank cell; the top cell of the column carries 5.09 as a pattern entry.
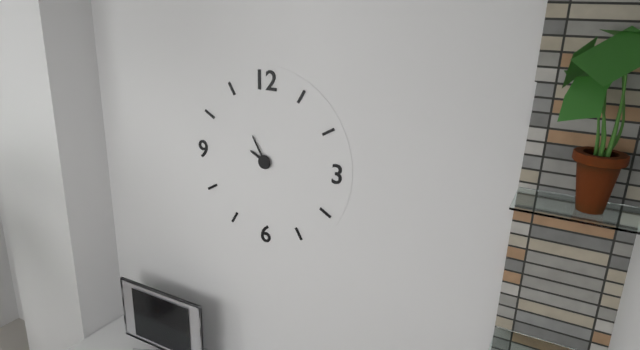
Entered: 9.55
